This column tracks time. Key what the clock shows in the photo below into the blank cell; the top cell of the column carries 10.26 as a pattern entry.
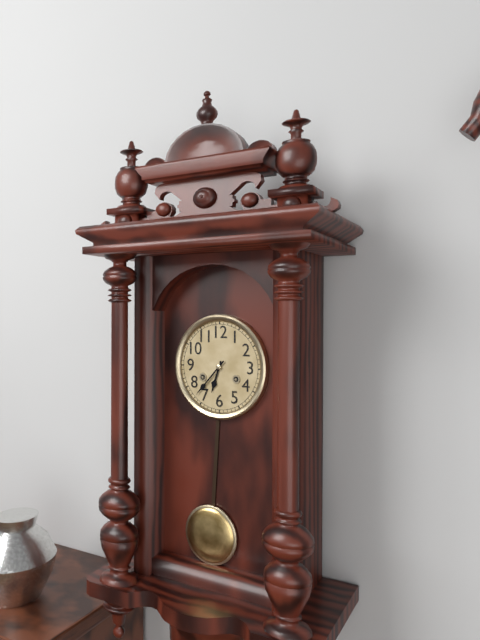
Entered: 6.37
